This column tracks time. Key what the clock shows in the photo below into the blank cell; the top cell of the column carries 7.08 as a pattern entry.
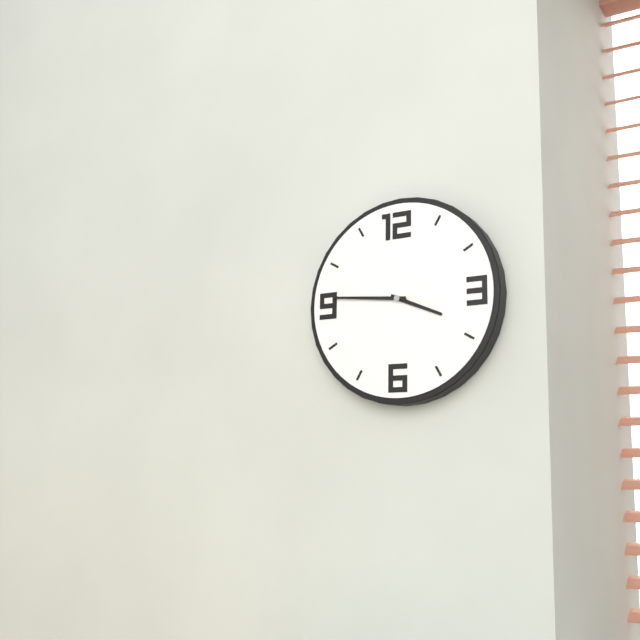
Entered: 3.46
